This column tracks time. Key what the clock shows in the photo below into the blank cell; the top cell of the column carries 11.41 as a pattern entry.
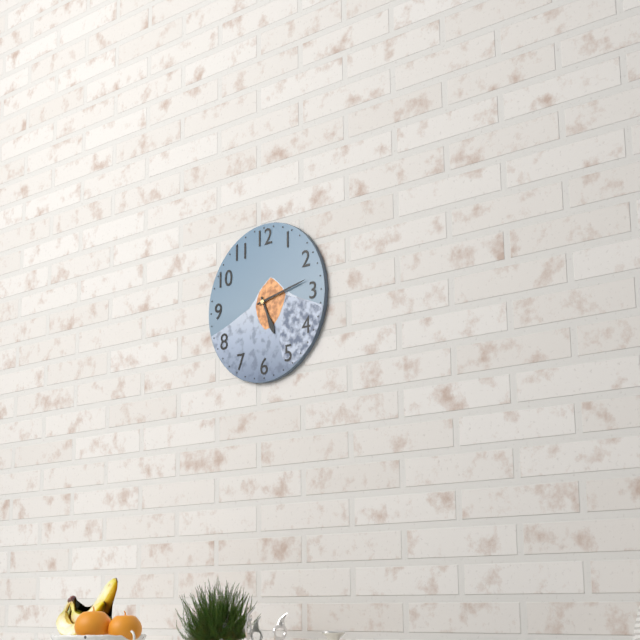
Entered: 5.13
